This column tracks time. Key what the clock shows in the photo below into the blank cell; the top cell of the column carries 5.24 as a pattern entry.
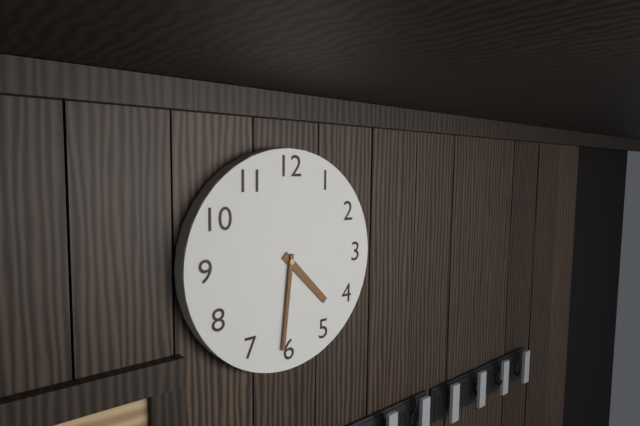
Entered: 4.31
